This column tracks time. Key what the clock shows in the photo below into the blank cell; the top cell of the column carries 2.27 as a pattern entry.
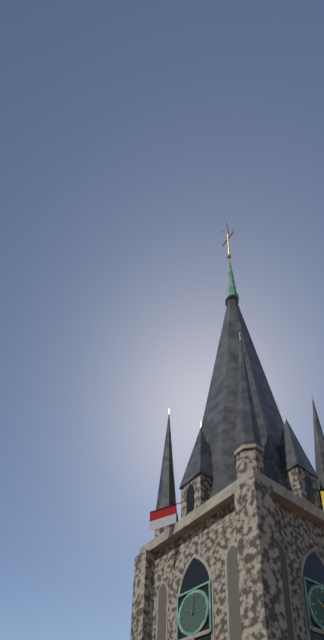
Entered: 10.02
